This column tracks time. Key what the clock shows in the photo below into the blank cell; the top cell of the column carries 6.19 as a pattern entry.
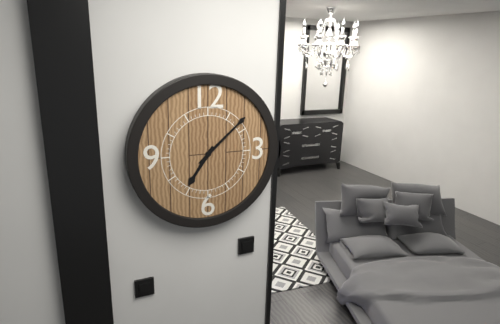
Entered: 7.08
